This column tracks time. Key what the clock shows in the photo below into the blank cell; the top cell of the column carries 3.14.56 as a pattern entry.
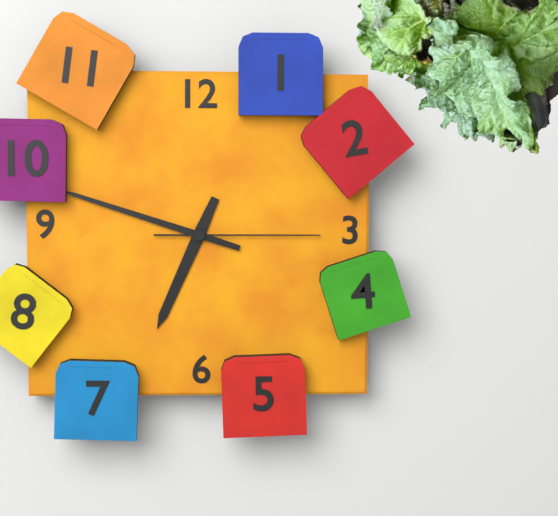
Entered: 6.48.15
